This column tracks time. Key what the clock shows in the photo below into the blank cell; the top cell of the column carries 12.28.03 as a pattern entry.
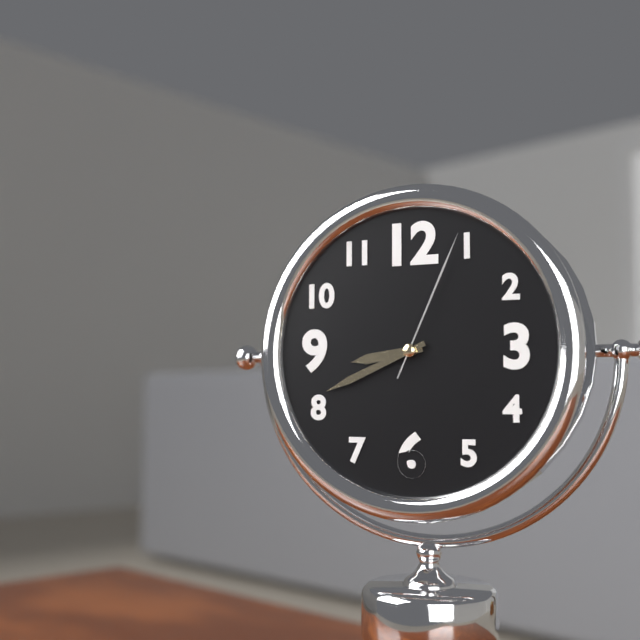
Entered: 8.41.04
